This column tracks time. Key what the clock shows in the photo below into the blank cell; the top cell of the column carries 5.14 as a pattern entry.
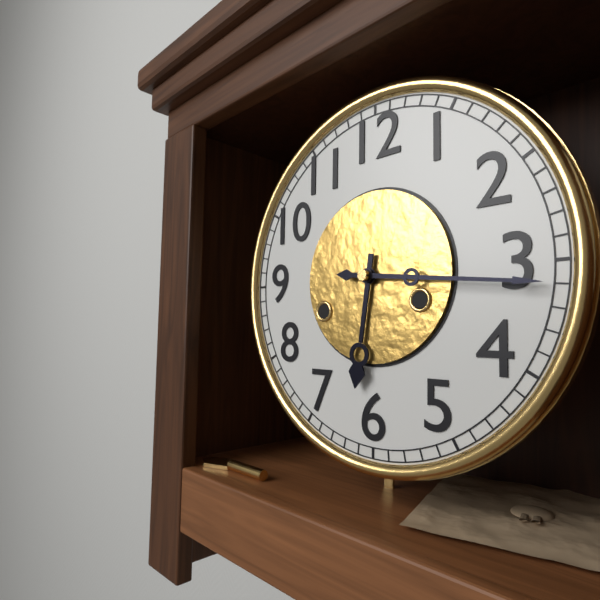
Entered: 6.16
